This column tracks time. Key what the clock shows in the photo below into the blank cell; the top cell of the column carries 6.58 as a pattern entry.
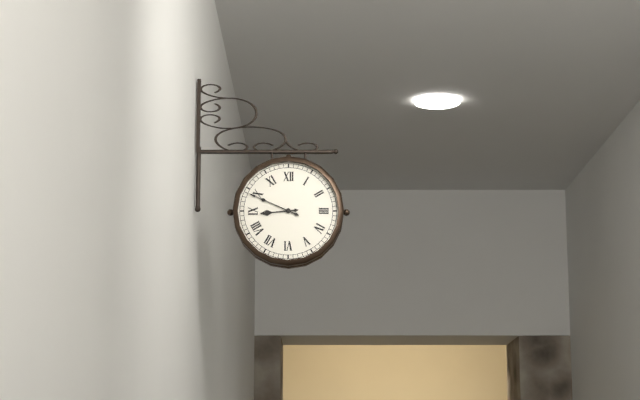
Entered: 8.49
